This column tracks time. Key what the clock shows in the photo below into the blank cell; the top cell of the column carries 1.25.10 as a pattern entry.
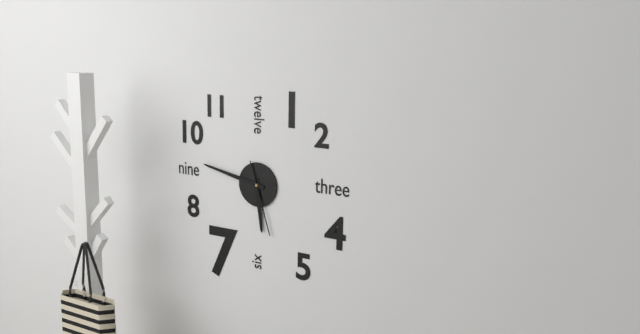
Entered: 5.47.27
